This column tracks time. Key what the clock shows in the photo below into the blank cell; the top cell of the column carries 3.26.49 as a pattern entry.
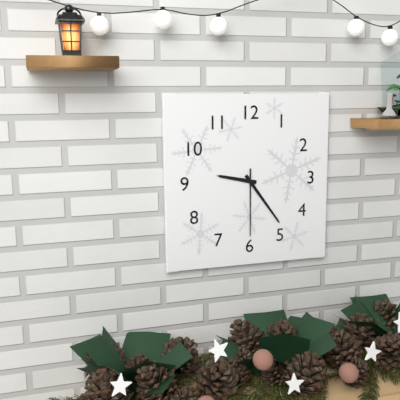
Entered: 9.24.30
